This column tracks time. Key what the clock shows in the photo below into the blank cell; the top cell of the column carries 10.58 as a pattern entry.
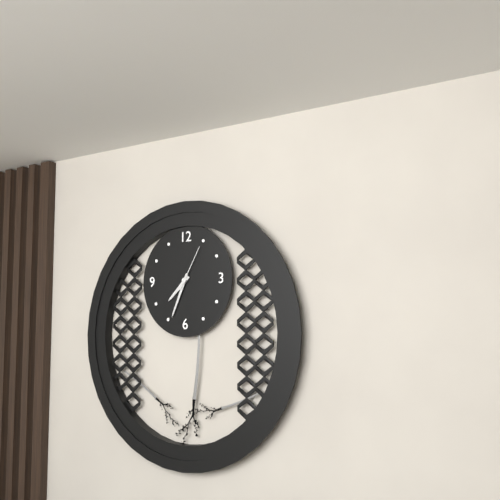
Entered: 7.34
